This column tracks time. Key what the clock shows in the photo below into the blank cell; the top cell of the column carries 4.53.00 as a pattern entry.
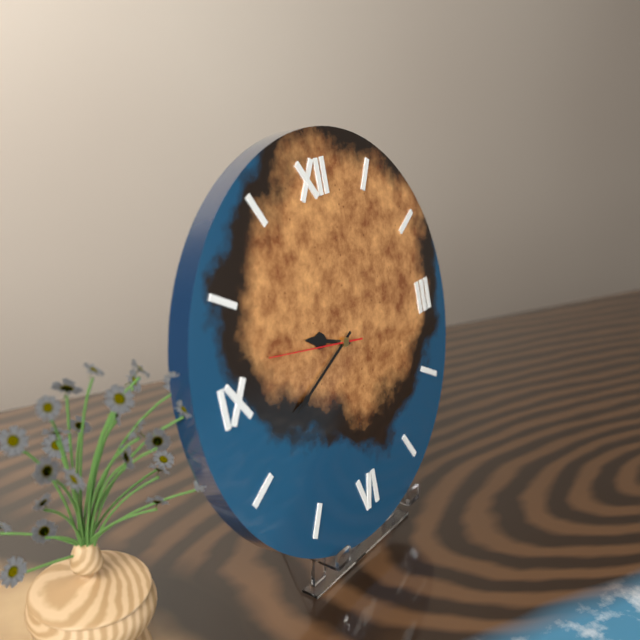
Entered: 9.41.47
